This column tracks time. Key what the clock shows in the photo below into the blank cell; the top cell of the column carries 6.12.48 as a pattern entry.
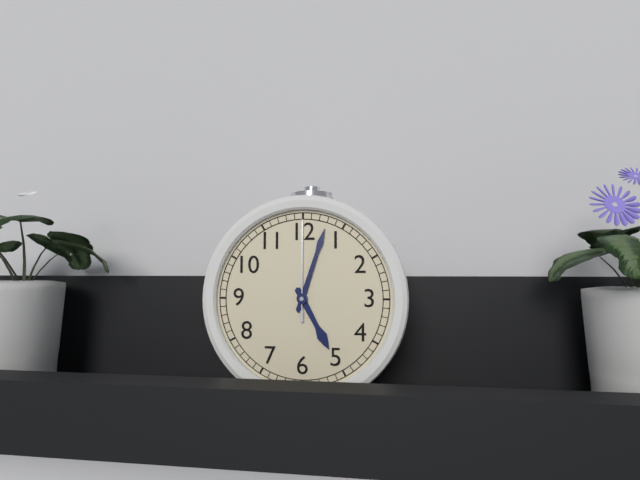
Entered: 5.03.00
